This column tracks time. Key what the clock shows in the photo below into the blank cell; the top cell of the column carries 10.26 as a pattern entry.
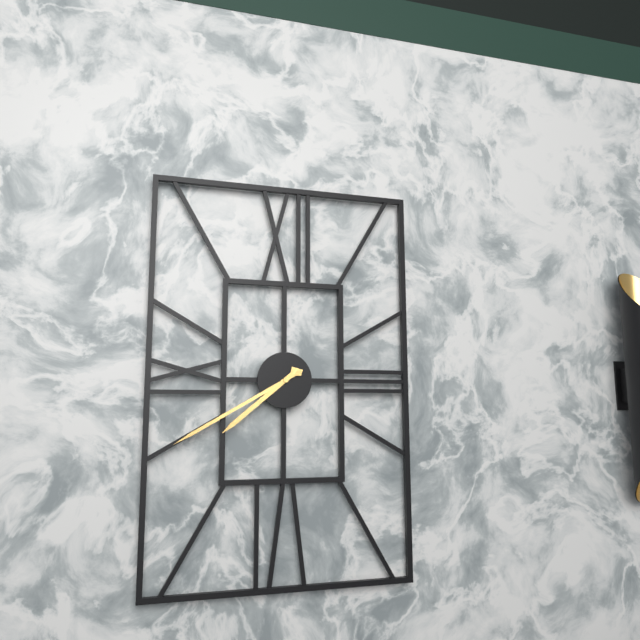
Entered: 7.40
